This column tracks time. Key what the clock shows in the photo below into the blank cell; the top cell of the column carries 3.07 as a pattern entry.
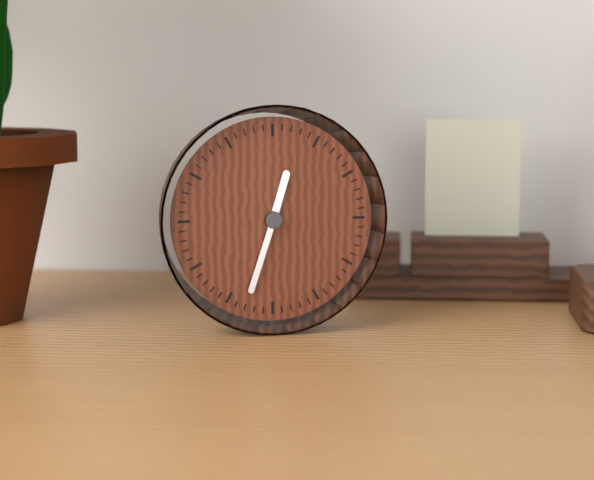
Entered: 12.33
